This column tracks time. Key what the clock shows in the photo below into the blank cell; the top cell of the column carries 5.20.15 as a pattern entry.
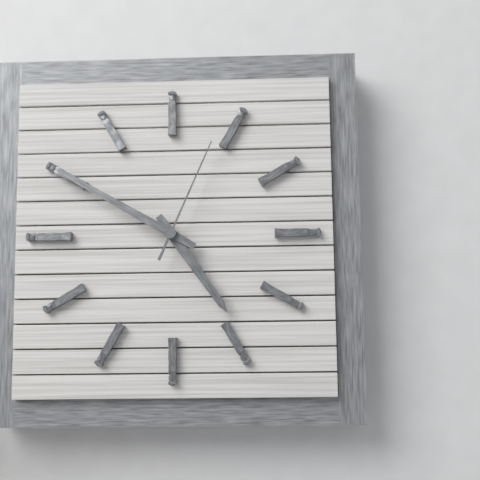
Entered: 4.50.04
